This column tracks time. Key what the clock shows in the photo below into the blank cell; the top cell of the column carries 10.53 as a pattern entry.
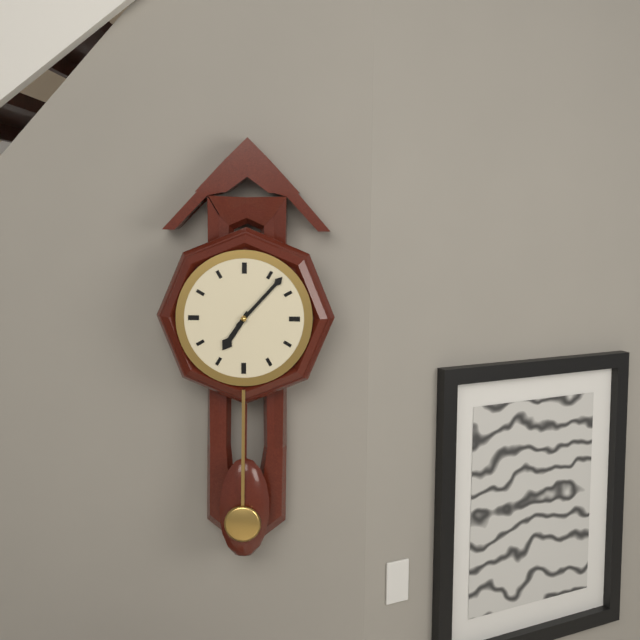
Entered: 7.07
